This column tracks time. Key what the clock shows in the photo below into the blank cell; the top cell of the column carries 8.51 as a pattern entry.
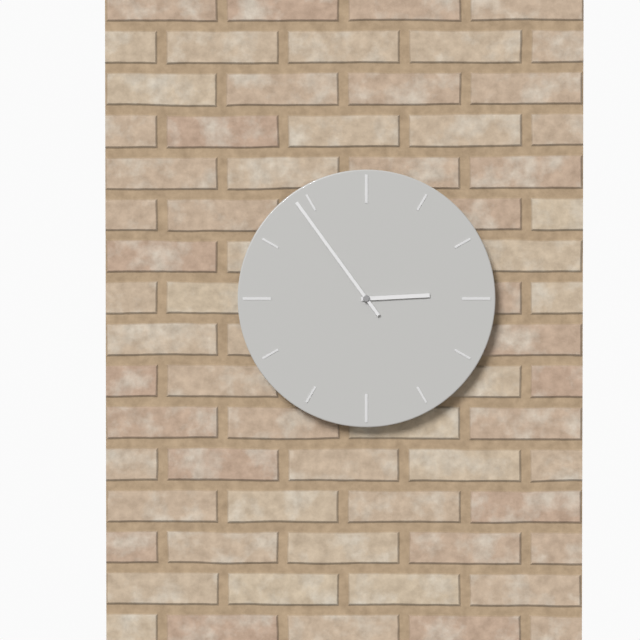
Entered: 2.54
